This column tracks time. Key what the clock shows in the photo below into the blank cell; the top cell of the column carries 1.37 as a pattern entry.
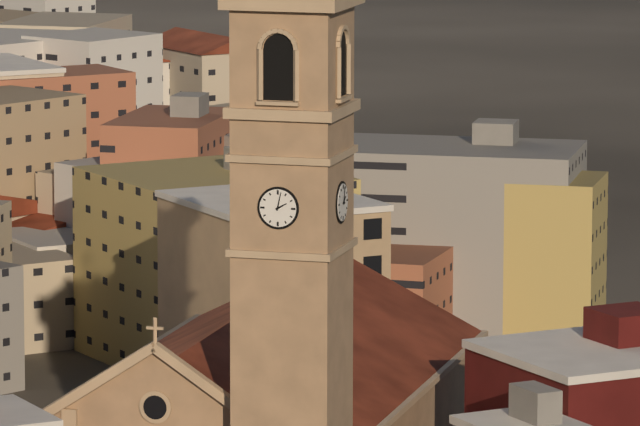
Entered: 2.02
